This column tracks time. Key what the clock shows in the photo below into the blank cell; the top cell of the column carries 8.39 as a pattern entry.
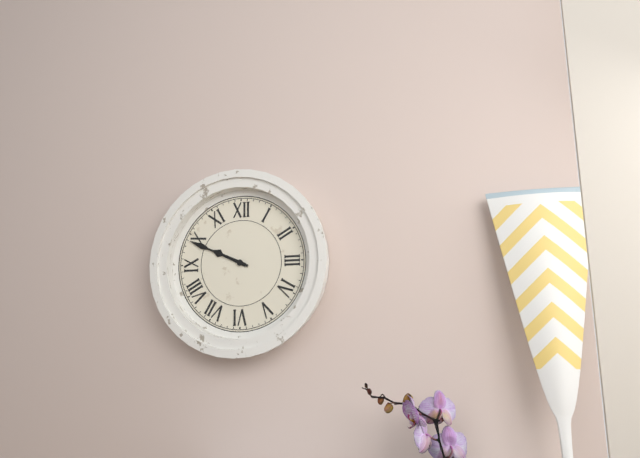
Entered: 9.49
